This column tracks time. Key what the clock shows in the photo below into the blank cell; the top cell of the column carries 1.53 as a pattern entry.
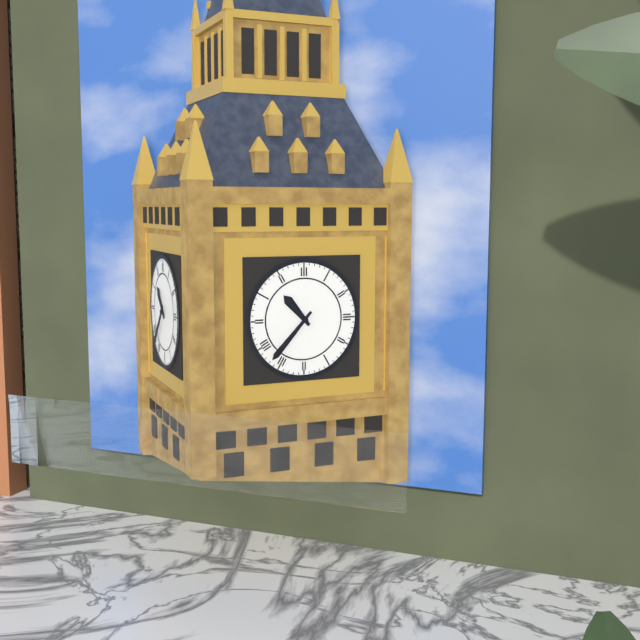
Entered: 10.37
